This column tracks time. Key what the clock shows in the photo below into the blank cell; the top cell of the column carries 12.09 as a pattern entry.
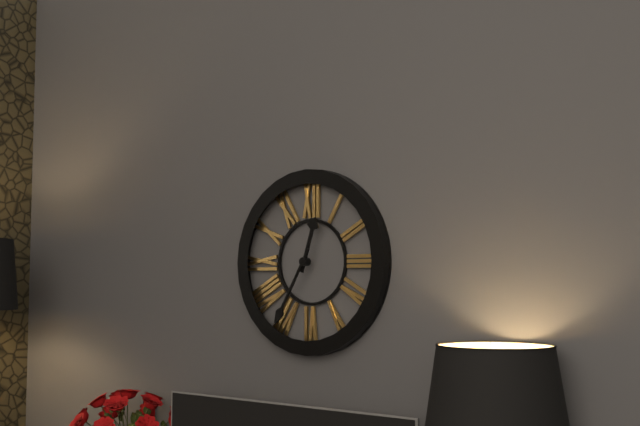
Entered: 12.35
